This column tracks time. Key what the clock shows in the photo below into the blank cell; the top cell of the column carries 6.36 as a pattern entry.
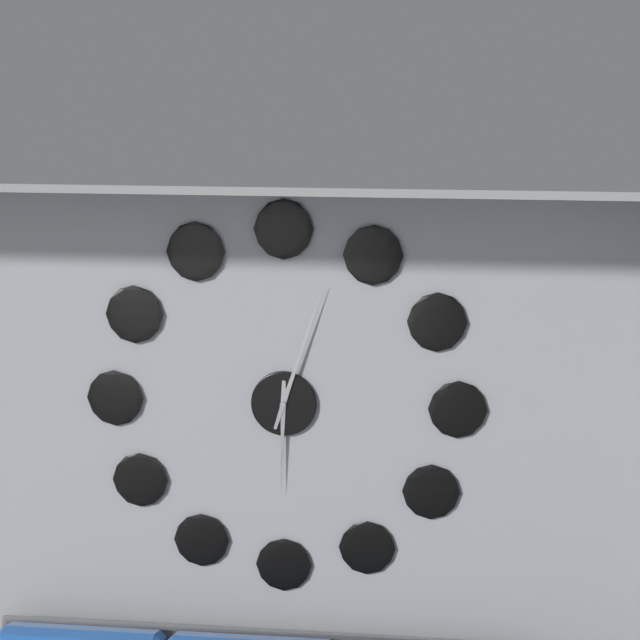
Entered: 6.03
